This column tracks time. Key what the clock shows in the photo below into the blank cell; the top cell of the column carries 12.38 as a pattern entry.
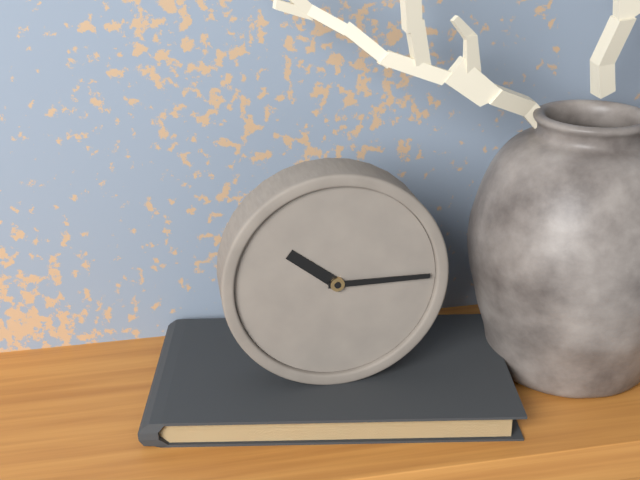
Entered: 10.15
